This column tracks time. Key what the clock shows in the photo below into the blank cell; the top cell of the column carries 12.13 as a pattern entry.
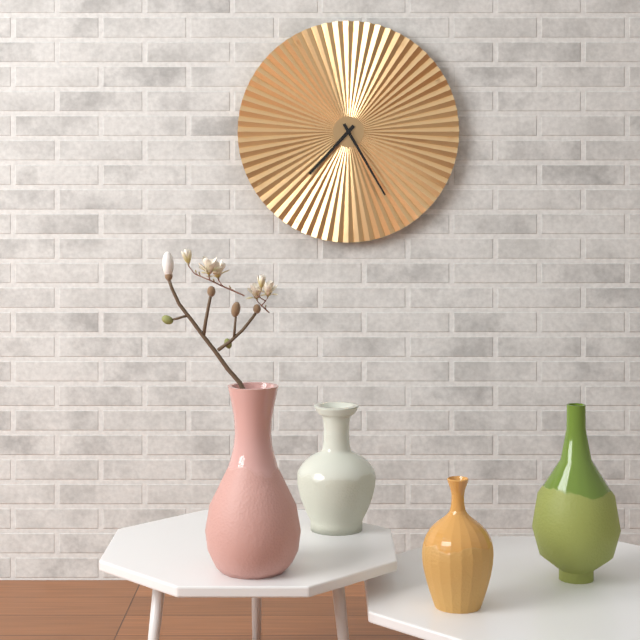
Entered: 7.25
